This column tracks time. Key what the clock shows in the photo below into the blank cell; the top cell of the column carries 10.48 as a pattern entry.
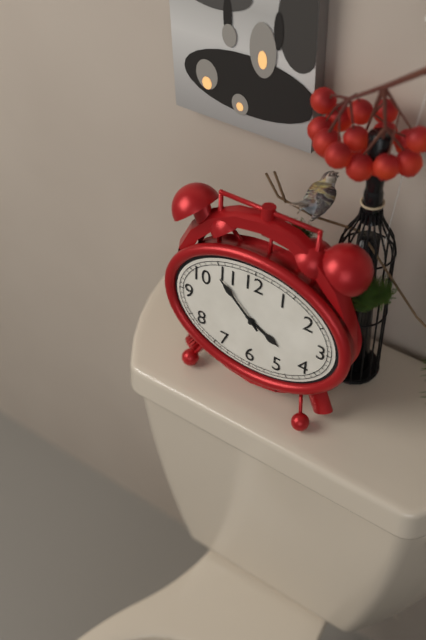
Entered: 3.52
